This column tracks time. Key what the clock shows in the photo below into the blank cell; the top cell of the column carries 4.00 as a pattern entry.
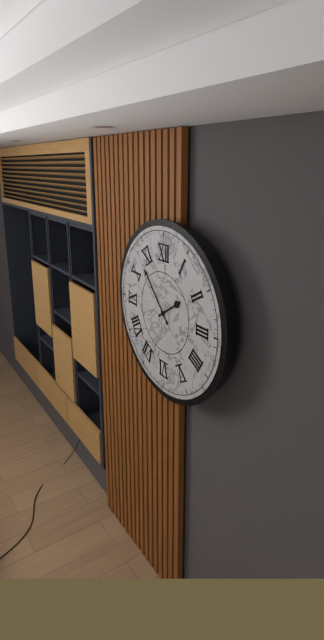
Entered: 1.53
